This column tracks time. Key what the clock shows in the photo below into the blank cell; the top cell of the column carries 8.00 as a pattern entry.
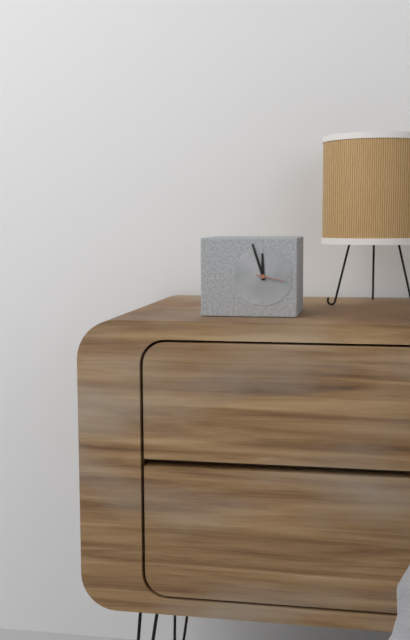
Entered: 11.57
